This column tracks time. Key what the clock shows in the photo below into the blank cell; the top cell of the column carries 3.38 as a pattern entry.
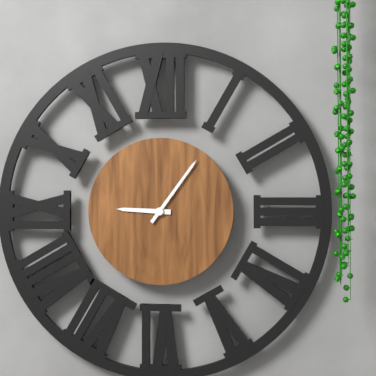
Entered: 9.06
